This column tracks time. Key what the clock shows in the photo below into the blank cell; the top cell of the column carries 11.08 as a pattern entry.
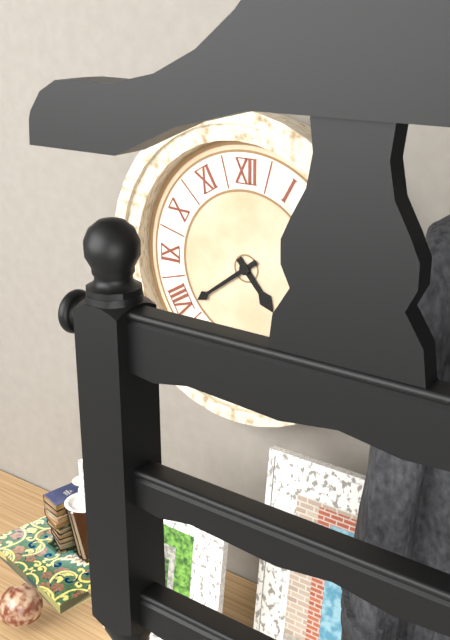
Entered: 4.39
